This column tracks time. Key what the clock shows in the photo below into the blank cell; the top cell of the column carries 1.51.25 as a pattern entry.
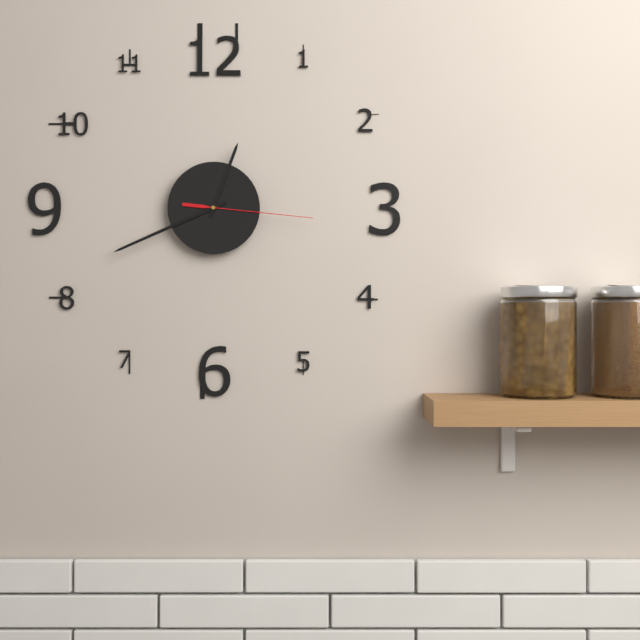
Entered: 12.41.16
